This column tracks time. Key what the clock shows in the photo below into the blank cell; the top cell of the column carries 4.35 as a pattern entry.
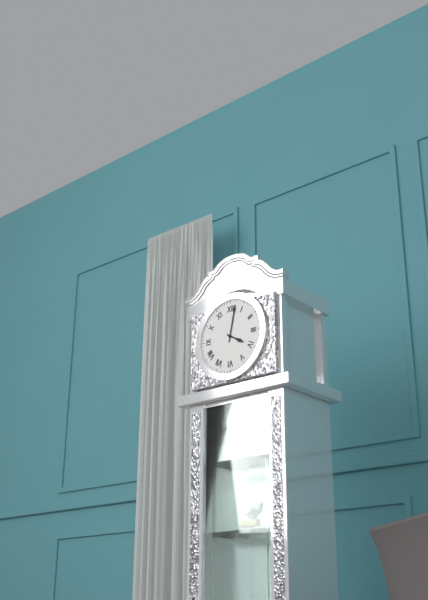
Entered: 4.02
